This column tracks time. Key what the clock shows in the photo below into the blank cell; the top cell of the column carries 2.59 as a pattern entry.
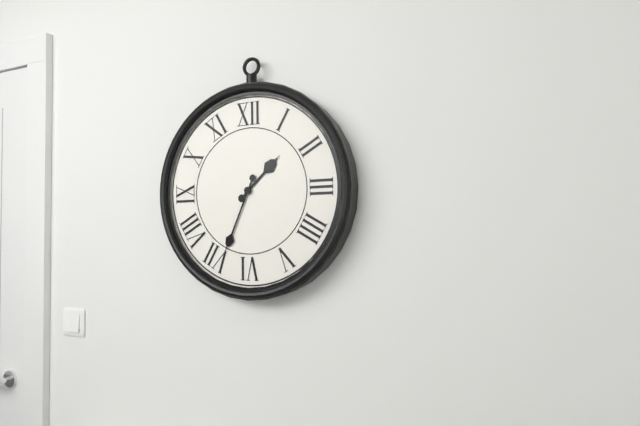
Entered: 1.34
